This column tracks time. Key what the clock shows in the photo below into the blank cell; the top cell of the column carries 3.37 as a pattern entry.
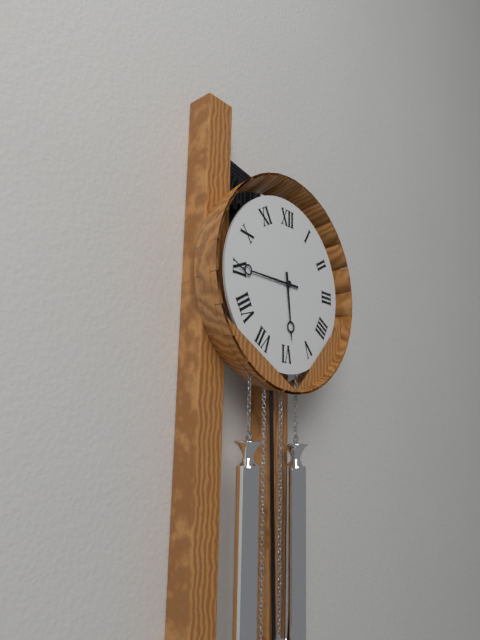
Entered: 5.45
